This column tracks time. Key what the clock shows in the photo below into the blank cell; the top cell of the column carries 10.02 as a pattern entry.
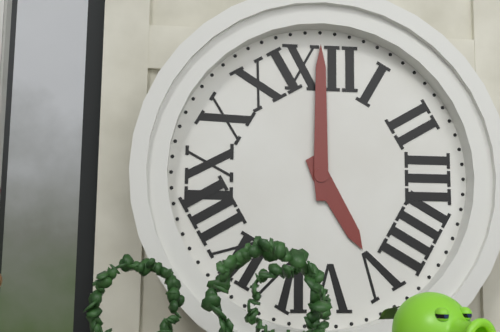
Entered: 5.00
